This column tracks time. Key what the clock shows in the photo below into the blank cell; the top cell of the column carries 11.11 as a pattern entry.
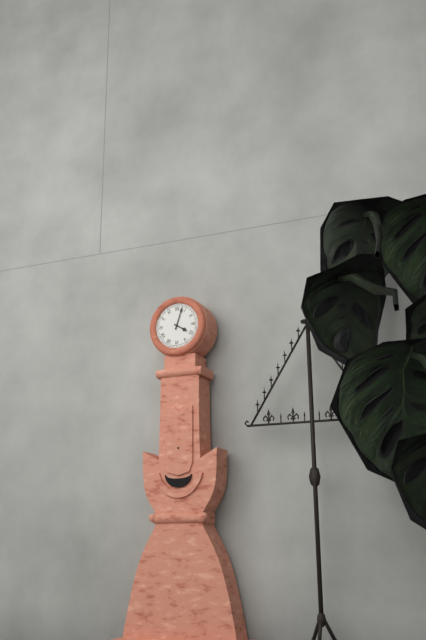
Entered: 4.03
